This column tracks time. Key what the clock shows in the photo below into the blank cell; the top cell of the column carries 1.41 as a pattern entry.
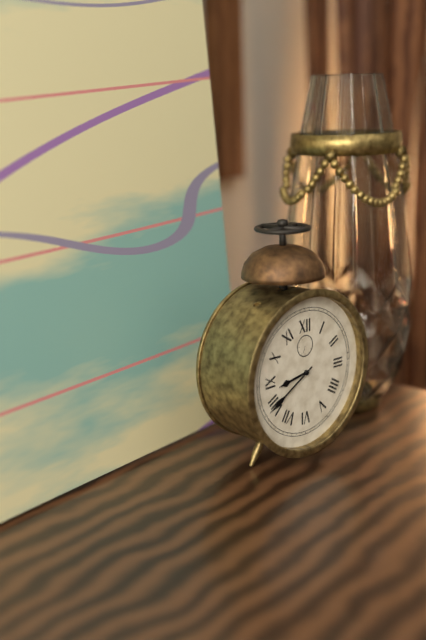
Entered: 8.40
